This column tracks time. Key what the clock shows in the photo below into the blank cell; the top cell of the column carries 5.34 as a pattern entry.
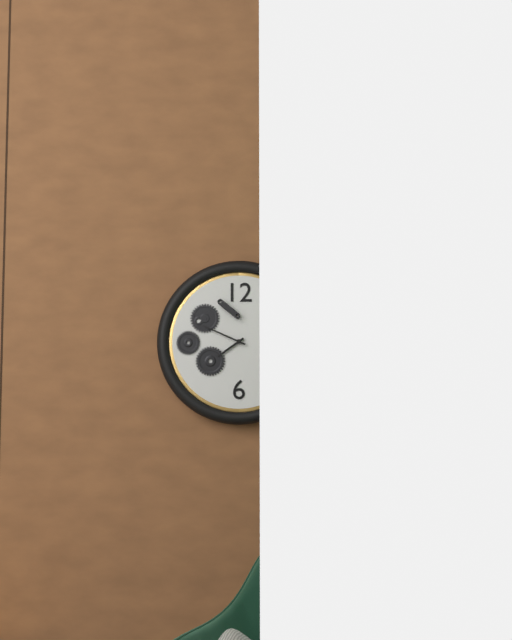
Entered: 7.49
